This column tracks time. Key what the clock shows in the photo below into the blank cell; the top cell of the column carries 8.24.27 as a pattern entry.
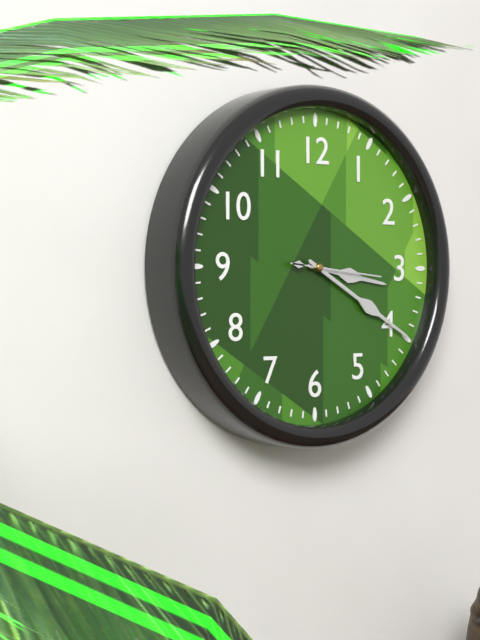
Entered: 3.20.16
